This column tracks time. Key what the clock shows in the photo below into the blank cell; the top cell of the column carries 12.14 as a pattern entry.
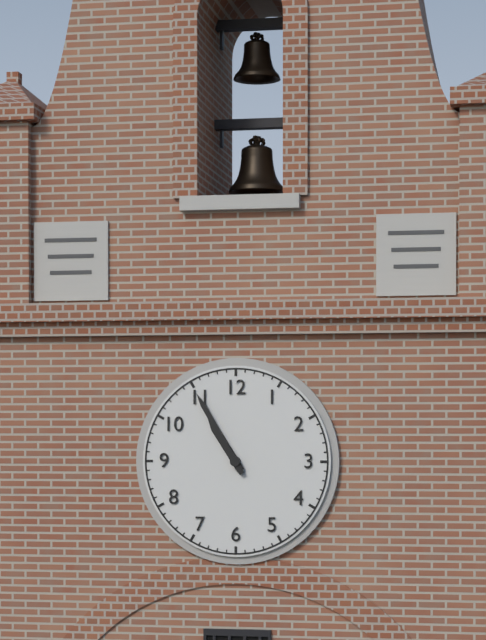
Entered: 10.55
